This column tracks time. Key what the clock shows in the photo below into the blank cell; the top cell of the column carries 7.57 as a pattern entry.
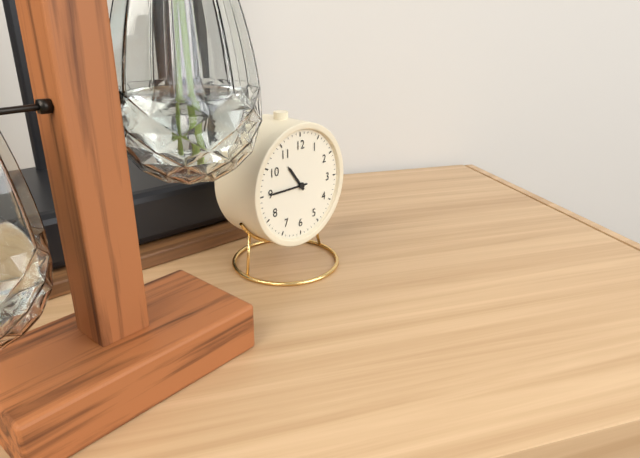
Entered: 10.45
